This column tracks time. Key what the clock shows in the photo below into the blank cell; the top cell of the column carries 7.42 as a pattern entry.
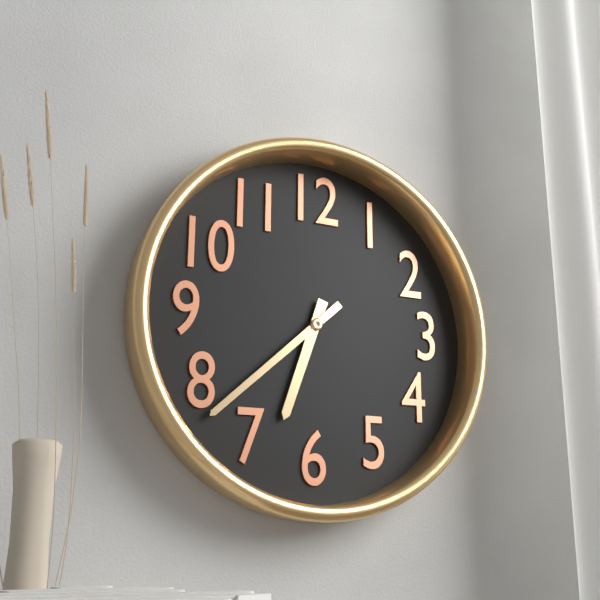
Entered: 6.38
